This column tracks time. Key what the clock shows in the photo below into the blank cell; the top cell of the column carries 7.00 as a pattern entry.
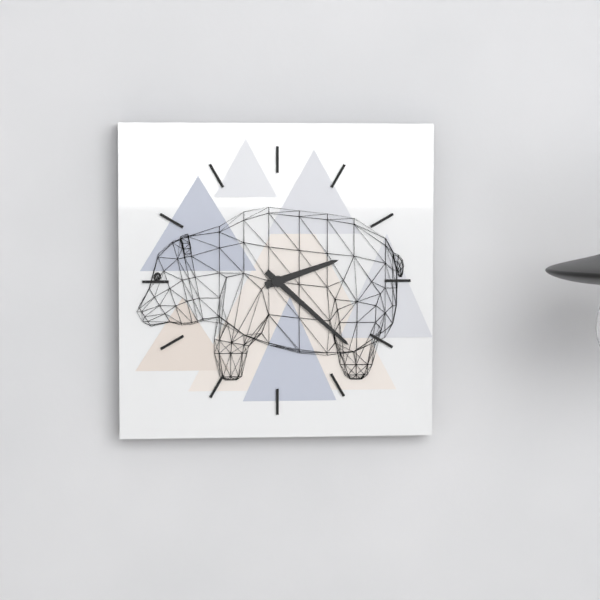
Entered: 2.22
